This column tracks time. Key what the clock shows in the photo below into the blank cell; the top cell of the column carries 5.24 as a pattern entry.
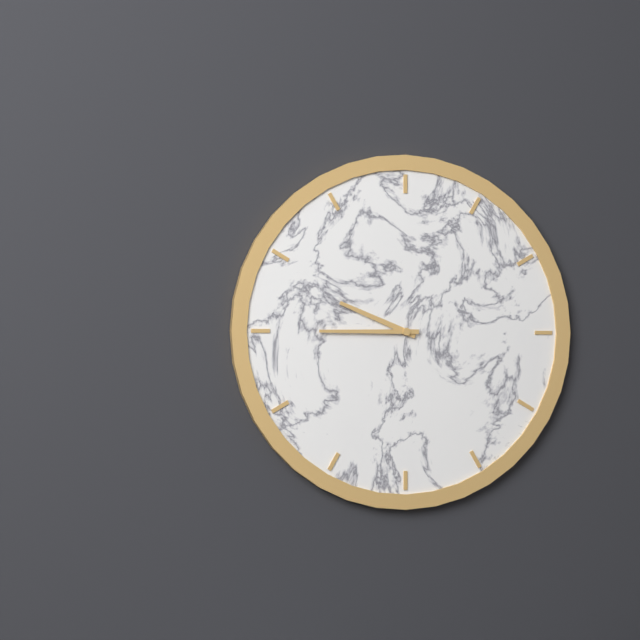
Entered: 9.45
